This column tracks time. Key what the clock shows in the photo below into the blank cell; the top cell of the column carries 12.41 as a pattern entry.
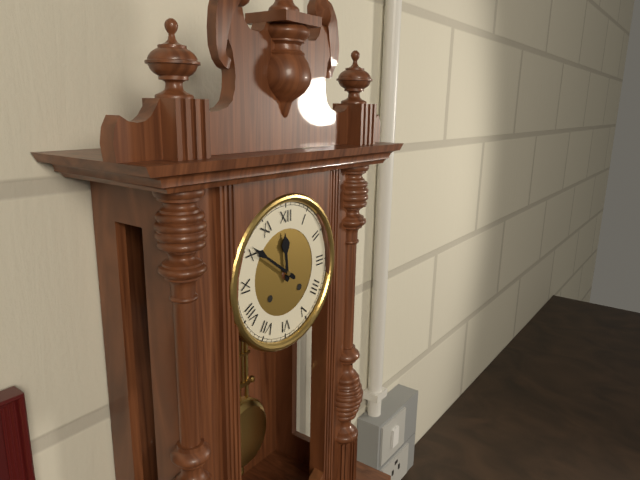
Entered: 11.51
